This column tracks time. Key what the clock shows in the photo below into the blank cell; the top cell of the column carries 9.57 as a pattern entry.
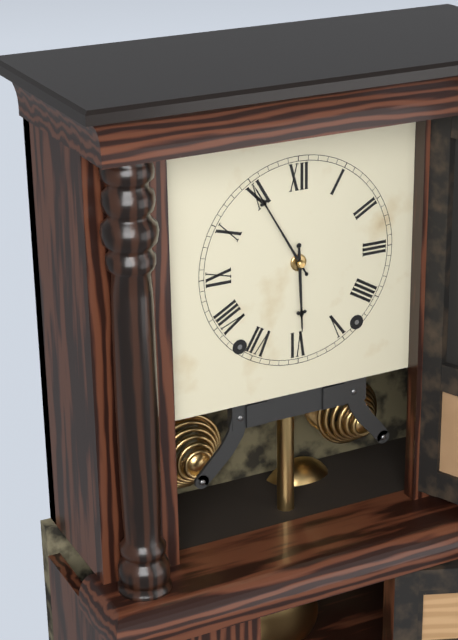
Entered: 5.55
